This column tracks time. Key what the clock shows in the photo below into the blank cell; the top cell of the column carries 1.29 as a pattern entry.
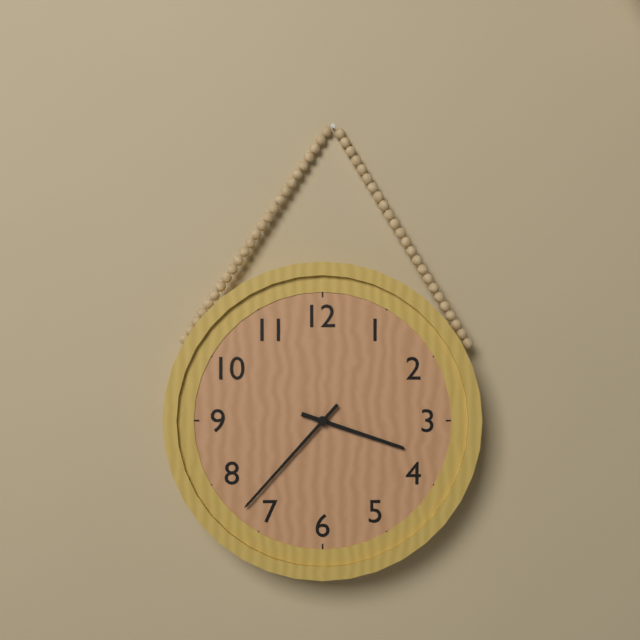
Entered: 3.37
